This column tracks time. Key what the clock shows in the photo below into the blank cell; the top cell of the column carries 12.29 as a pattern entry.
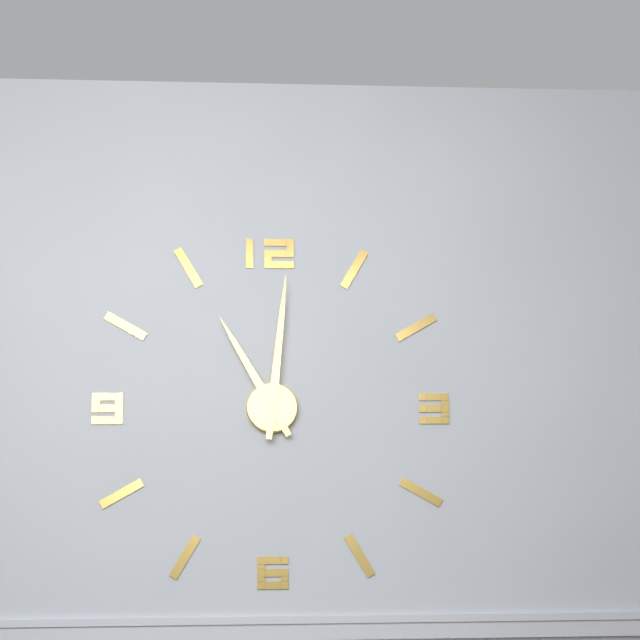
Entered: 11.01
